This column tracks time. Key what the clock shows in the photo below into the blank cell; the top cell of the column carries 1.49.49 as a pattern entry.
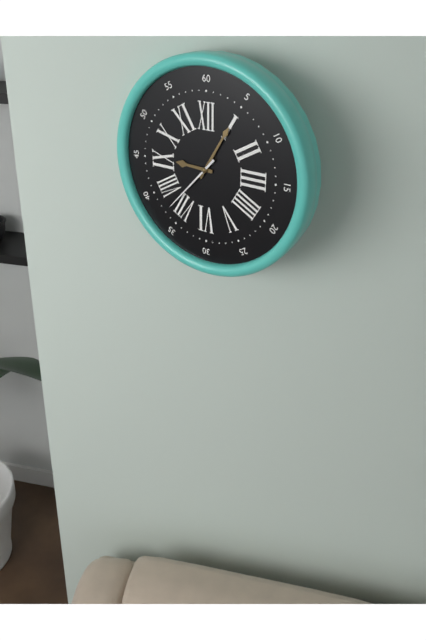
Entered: 9.05.37
